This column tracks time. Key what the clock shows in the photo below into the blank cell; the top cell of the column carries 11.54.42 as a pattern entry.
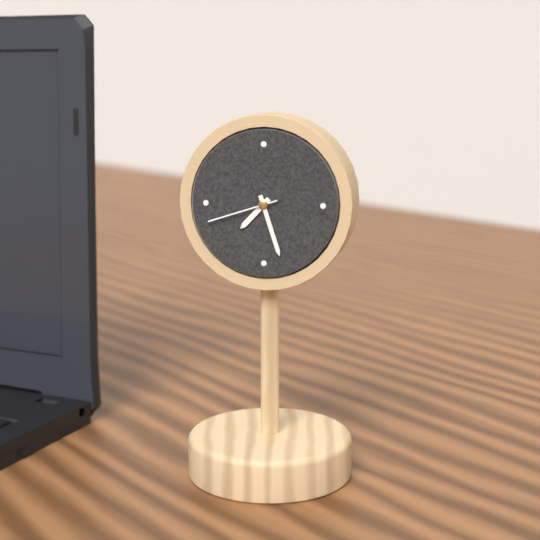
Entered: 7.27.42
